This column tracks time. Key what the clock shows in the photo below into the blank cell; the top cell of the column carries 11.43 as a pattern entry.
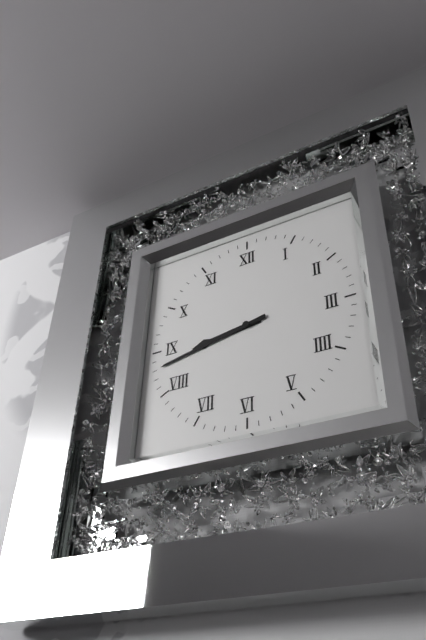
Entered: 8.43
